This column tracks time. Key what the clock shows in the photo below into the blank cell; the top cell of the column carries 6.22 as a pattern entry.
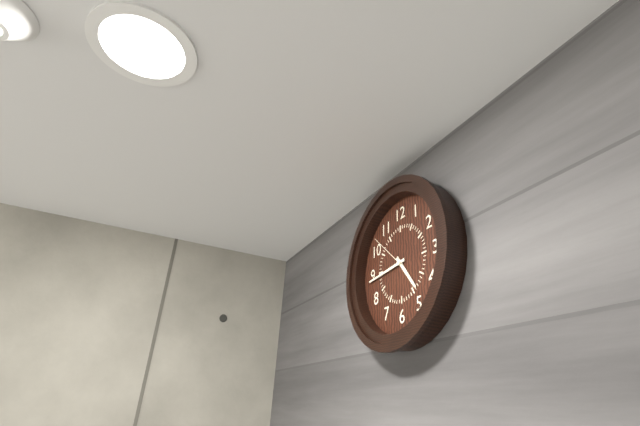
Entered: 4.44
